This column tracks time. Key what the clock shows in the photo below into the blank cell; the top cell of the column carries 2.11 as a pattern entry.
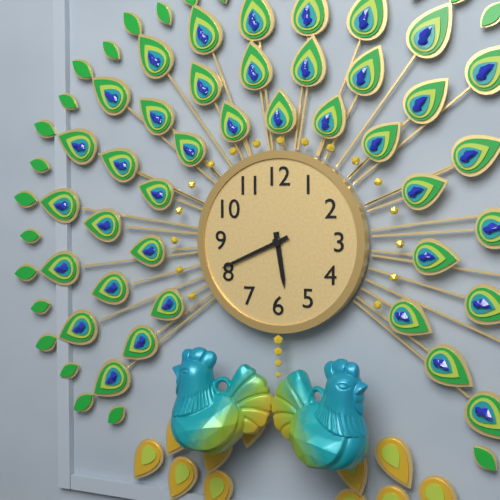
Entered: 5.41
